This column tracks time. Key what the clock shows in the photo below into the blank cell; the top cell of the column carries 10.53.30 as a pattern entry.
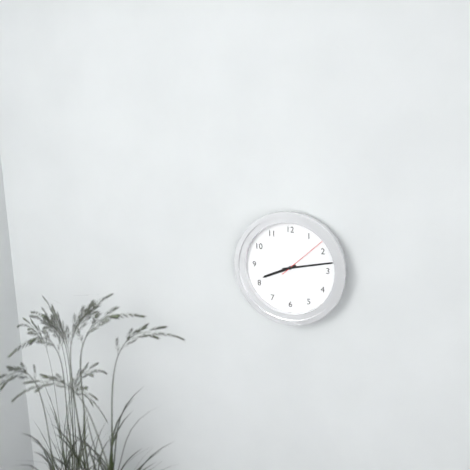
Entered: 8.13.08
